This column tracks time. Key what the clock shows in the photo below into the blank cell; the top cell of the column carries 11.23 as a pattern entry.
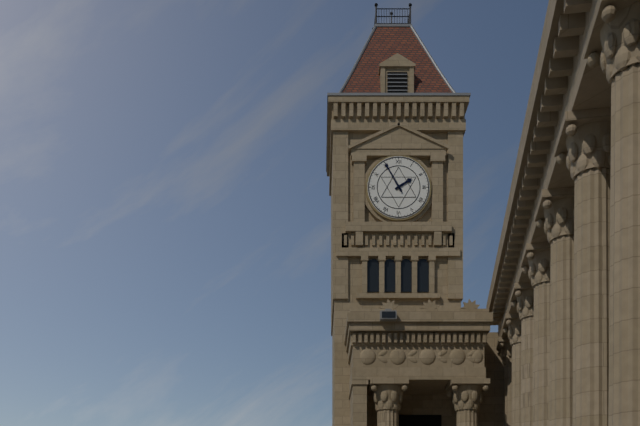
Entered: 1.55
